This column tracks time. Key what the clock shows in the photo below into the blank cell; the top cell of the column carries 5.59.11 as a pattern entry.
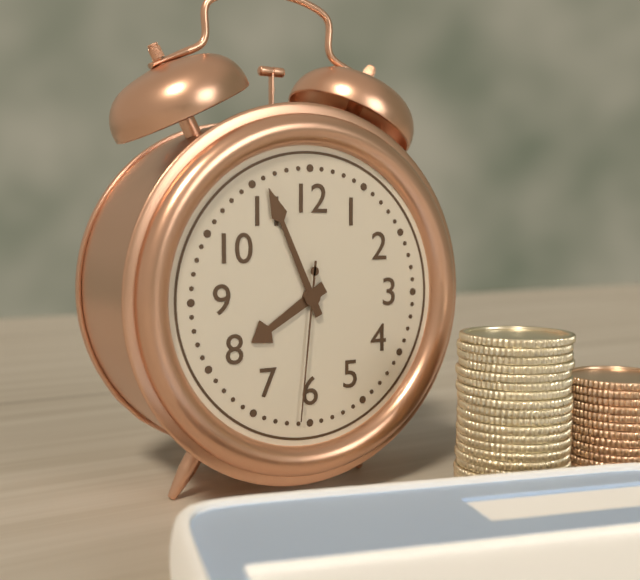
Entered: 7.56.31
